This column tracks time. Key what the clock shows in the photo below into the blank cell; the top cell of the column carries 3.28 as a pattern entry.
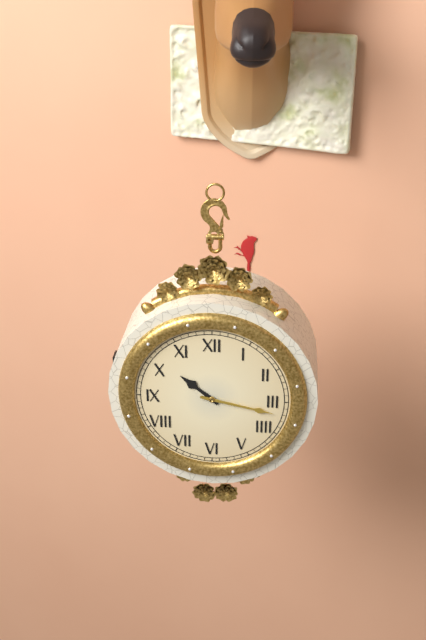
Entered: 10.17
